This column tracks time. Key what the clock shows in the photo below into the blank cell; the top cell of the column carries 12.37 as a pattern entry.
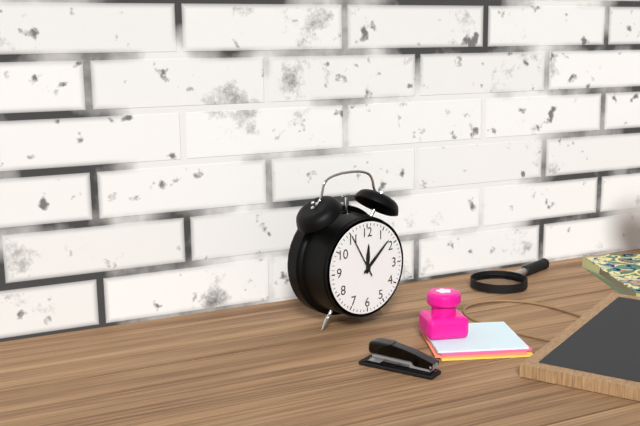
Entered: 12.08
